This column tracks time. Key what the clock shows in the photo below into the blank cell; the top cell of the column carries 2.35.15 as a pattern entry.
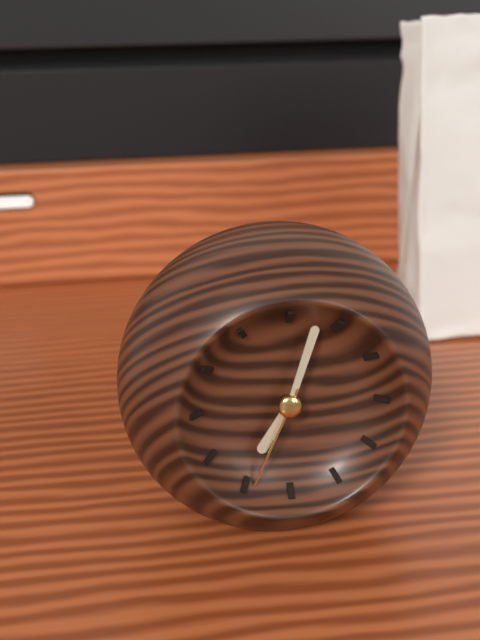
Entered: 7.03.34
